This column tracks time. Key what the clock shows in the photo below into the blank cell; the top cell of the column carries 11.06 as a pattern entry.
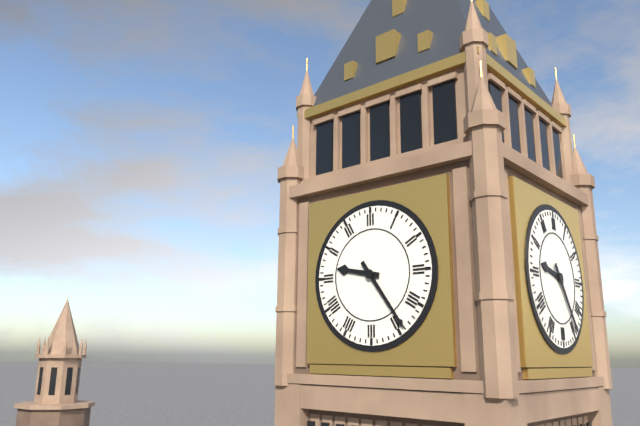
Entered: 9.24
